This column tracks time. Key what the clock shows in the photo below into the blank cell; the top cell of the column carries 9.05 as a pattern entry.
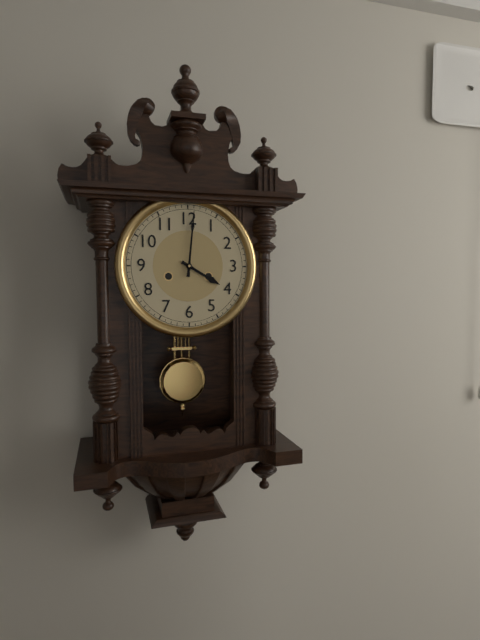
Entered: 4.01
